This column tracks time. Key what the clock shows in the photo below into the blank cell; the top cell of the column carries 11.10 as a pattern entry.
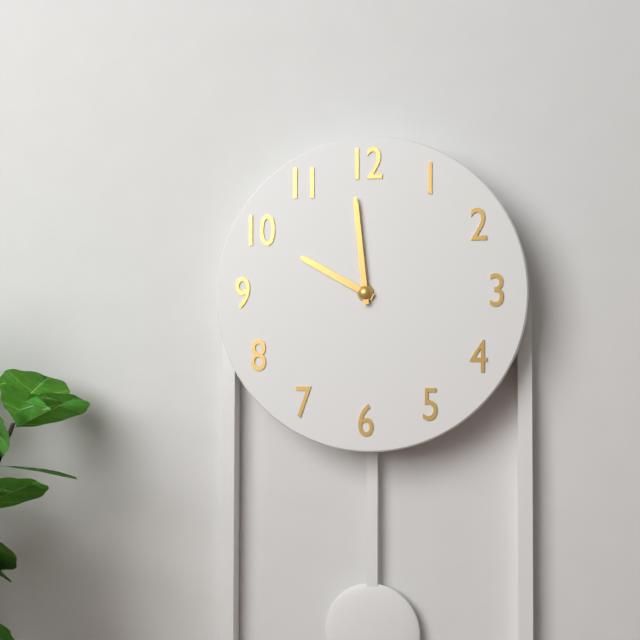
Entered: 9.59
